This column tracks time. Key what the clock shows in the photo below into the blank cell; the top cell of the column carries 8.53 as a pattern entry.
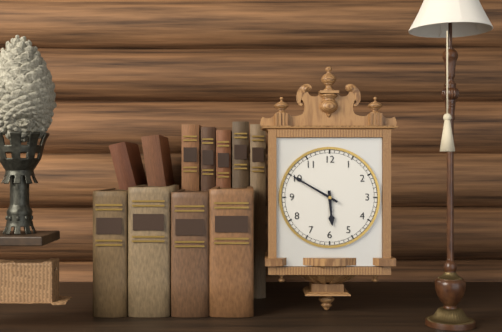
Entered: 5.50
